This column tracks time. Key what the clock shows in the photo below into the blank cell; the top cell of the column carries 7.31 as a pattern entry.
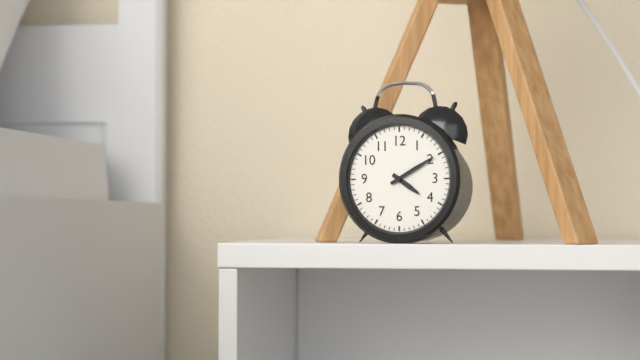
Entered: 4.10
